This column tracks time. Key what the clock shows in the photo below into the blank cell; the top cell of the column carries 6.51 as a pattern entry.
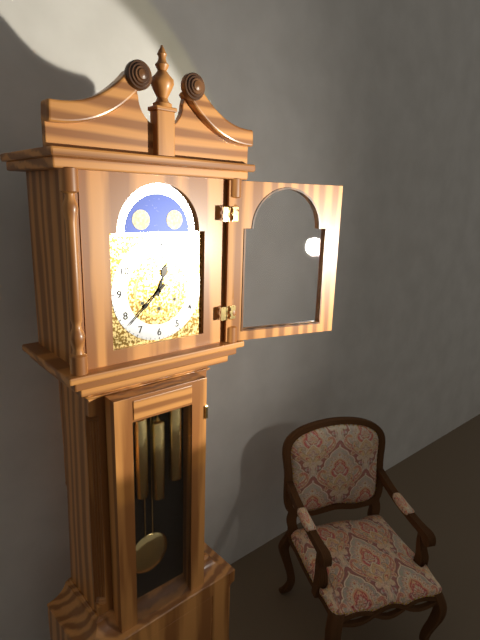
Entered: 12.38
